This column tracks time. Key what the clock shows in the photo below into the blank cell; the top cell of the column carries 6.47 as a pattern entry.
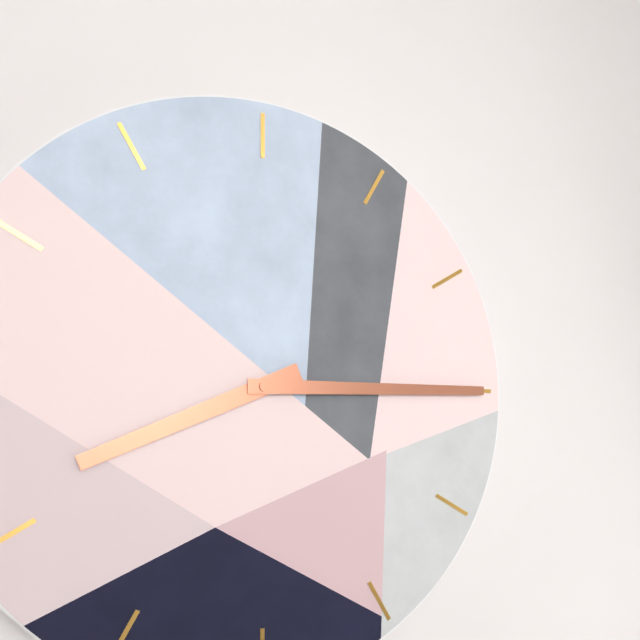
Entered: 8.15
